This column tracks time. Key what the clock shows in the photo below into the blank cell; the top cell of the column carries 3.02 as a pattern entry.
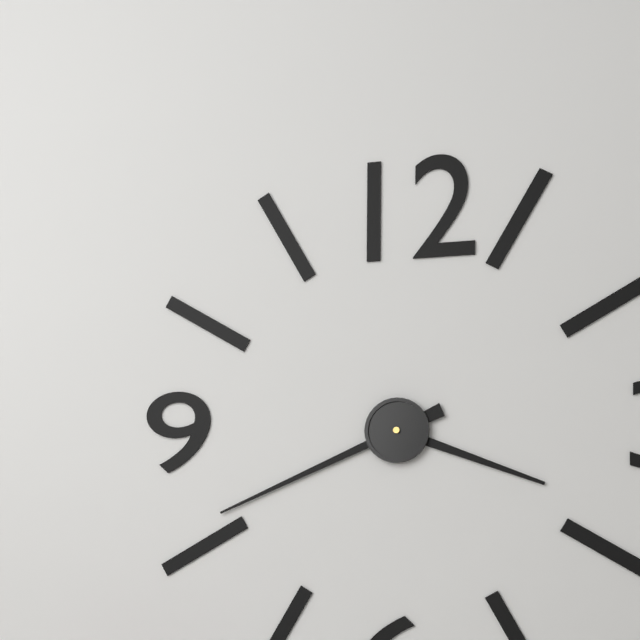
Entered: 3.41
